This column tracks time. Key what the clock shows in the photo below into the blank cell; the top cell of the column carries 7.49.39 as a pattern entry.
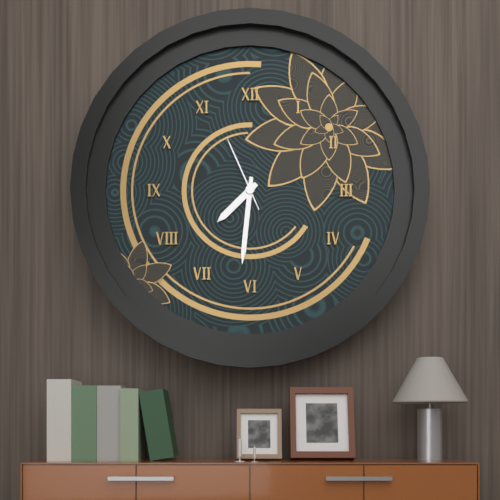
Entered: 7.31.56
